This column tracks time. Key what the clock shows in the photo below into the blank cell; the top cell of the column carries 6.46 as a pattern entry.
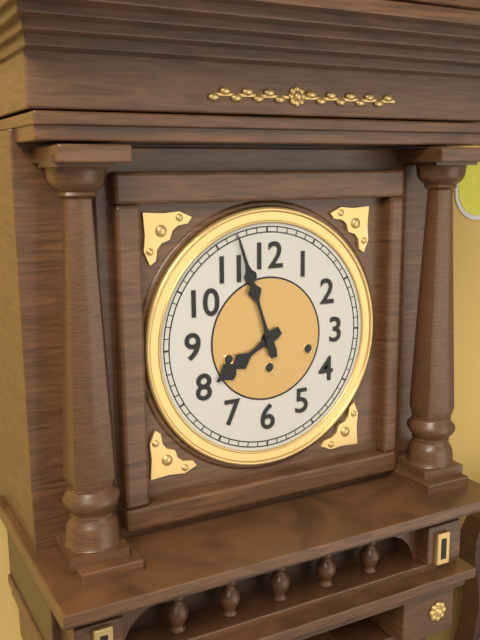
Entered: 7.57
